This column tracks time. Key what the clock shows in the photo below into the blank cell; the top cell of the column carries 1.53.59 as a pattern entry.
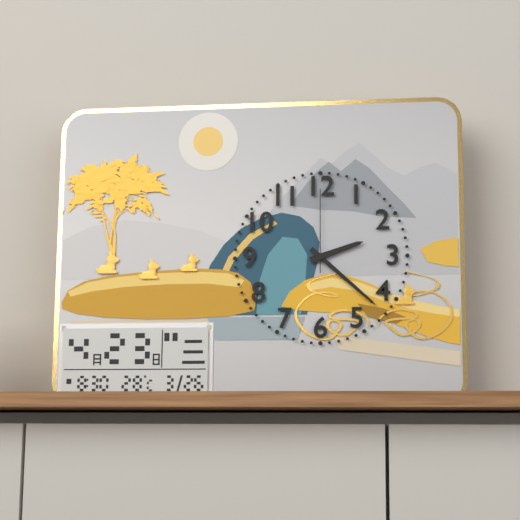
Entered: 2.22.00
